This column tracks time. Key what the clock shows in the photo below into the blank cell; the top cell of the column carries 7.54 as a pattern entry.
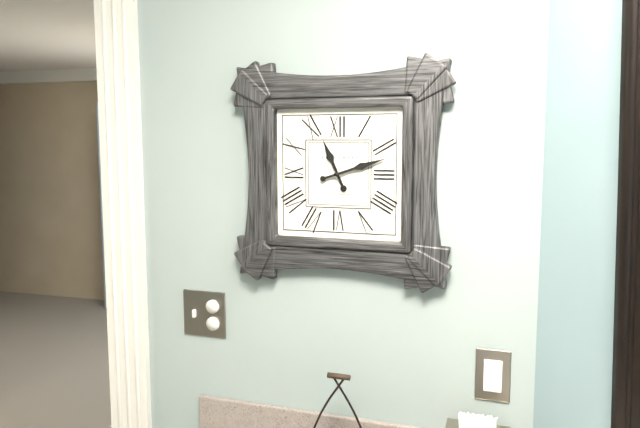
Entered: 11.12
